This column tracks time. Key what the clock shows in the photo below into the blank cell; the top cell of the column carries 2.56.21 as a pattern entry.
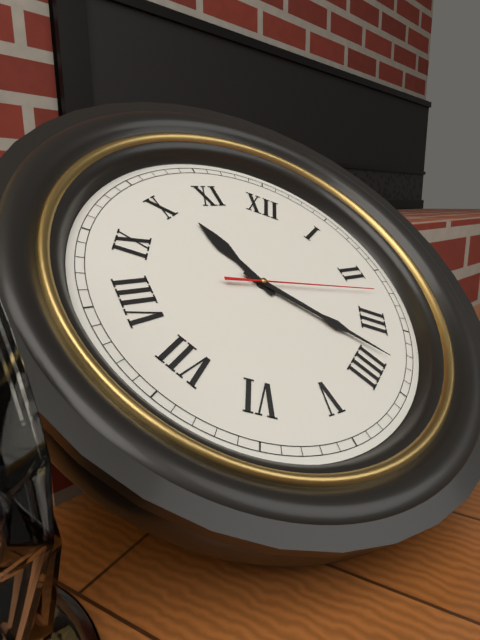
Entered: 10.18.12
